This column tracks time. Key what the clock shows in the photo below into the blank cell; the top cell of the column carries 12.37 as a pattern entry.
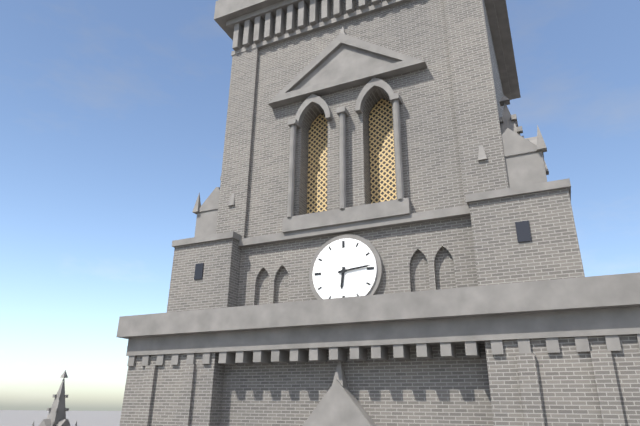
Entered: 6.14
